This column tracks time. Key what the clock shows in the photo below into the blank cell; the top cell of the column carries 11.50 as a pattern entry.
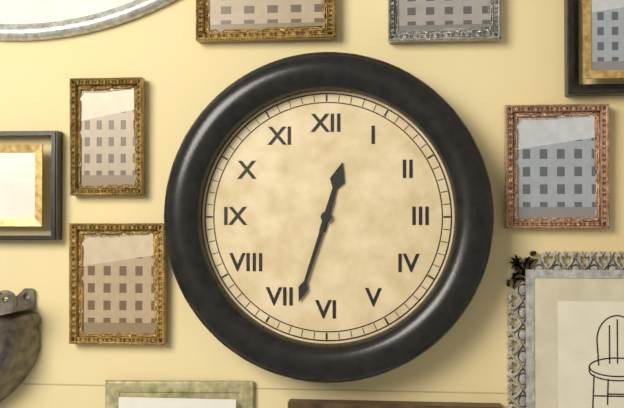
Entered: 12.33
